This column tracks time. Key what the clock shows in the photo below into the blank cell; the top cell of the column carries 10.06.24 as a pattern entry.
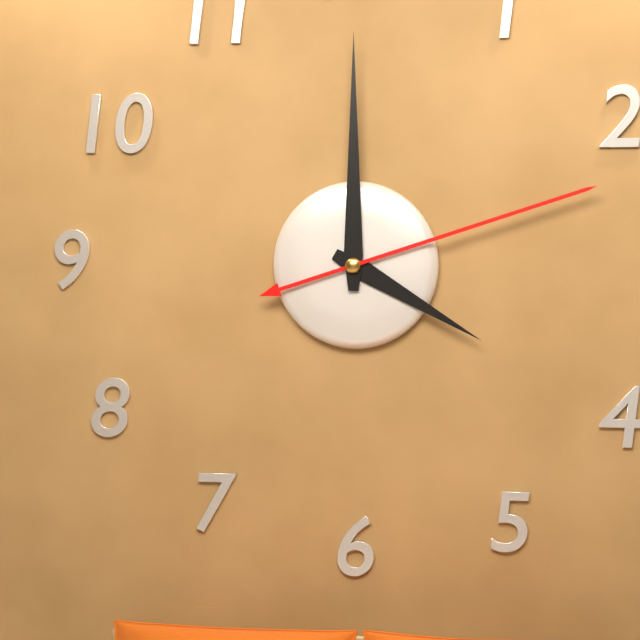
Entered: 4.00.12
